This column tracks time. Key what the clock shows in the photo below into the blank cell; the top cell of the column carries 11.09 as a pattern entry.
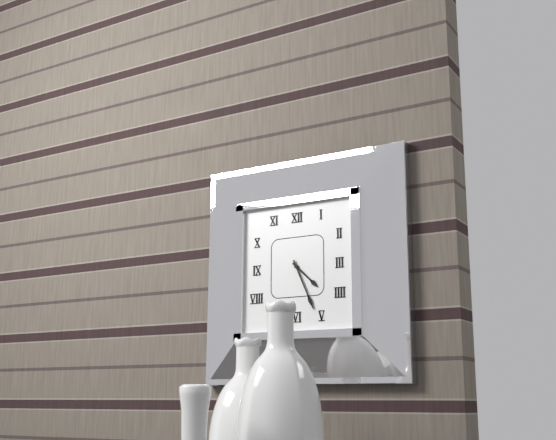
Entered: 4.26
